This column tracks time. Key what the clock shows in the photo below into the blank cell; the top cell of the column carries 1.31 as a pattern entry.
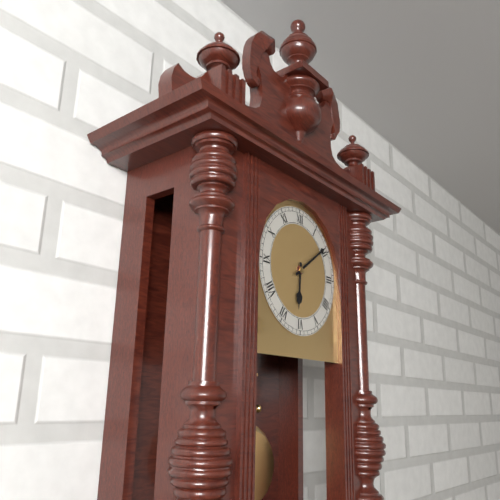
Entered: 6.09
